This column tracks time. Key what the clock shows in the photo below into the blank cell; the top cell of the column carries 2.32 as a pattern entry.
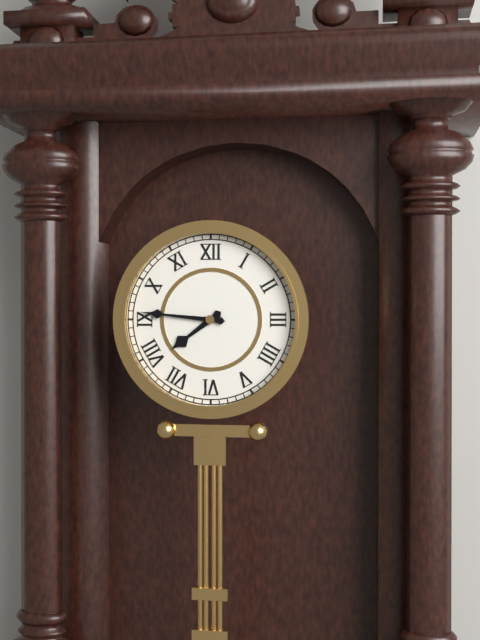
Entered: 7.46
